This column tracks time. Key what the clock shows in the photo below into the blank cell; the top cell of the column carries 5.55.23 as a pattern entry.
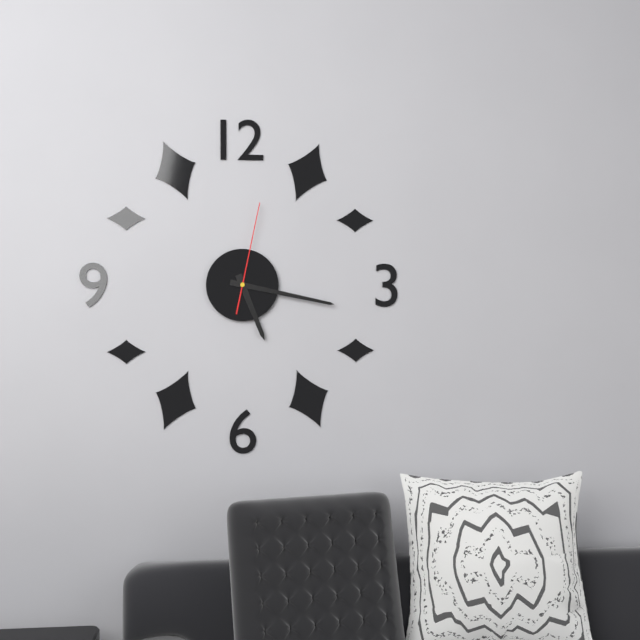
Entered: 5.17.02
